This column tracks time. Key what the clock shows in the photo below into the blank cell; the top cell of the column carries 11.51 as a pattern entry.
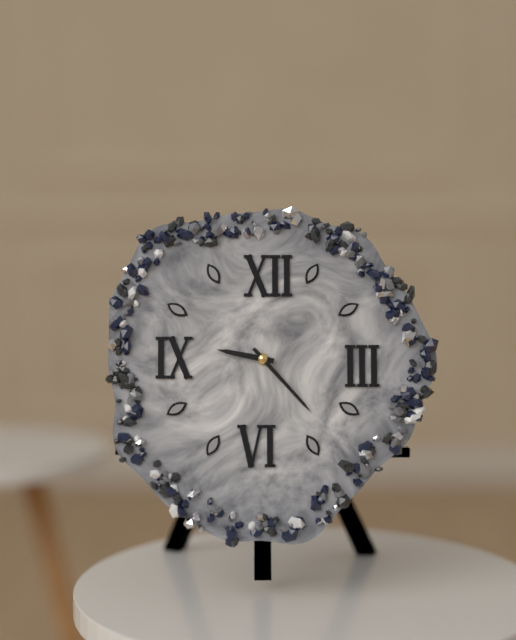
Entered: 9.23
